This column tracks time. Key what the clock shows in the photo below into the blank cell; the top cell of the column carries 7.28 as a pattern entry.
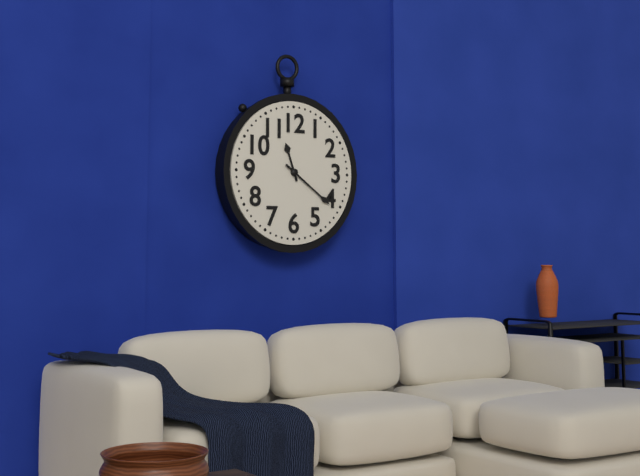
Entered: 11.21
